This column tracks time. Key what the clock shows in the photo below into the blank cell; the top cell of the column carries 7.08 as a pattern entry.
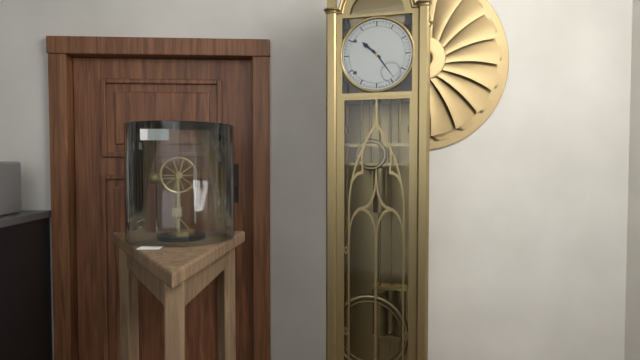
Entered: 10.24
